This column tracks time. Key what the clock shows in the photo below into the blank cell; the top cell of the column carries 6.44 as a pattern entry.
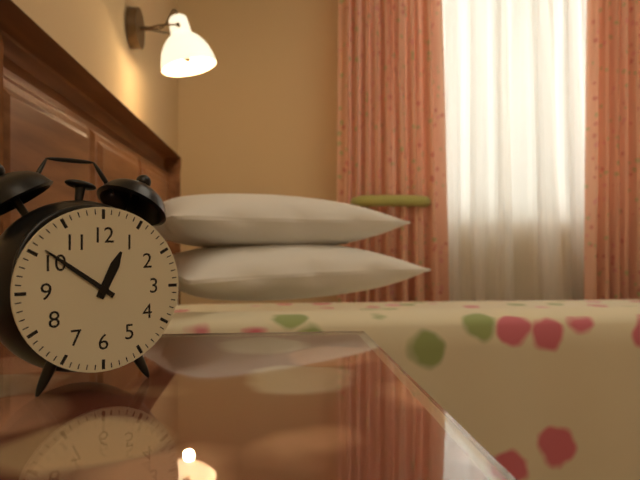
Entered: 12.51
